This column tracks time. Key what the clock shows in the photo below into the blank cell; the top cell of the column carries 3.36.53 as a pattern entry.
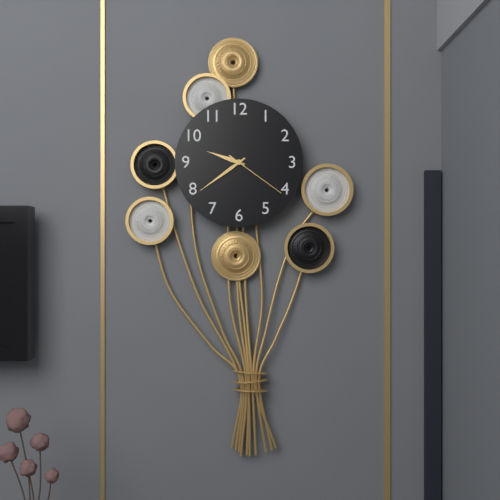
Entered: 9.39.21
